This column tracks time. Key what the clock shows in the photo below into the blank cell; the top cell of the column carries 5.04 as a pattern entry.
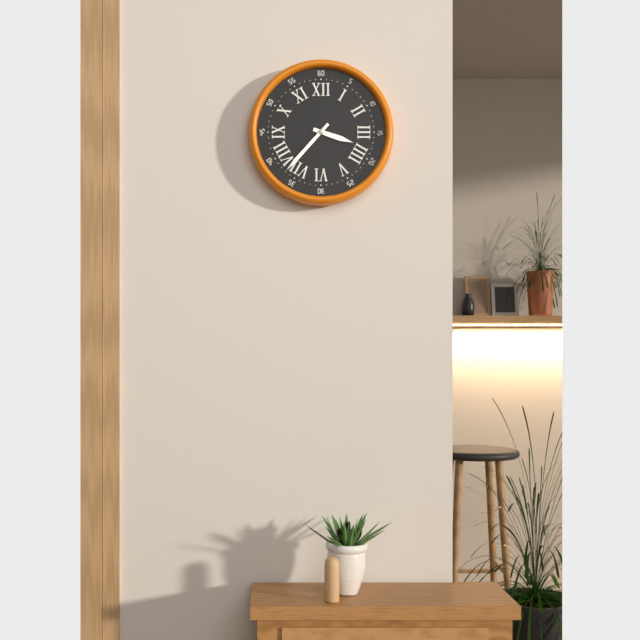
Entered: 3.37
